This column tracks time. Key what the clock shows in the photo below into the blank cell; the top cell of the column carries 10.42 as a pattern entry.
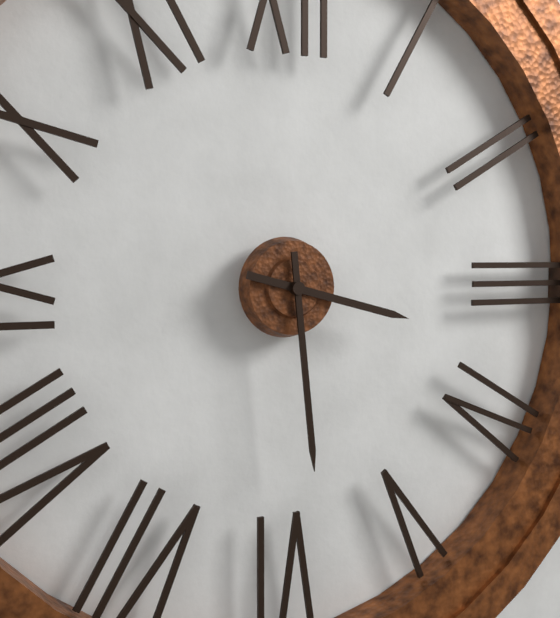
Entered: 3.29
